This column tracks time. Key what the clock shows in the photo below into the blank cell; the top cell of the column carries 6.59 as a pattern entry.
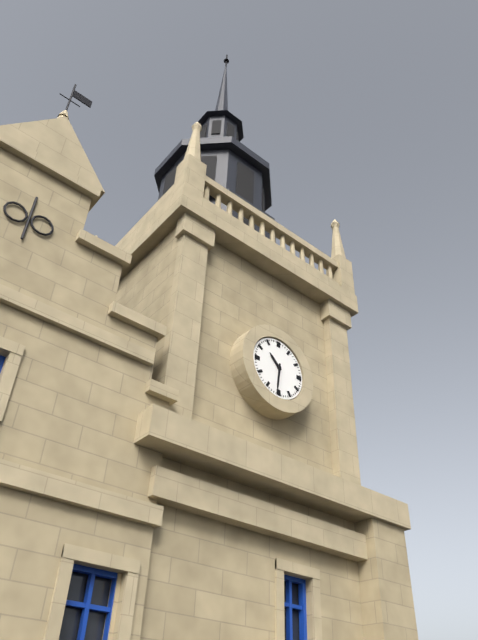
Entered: 10.31
